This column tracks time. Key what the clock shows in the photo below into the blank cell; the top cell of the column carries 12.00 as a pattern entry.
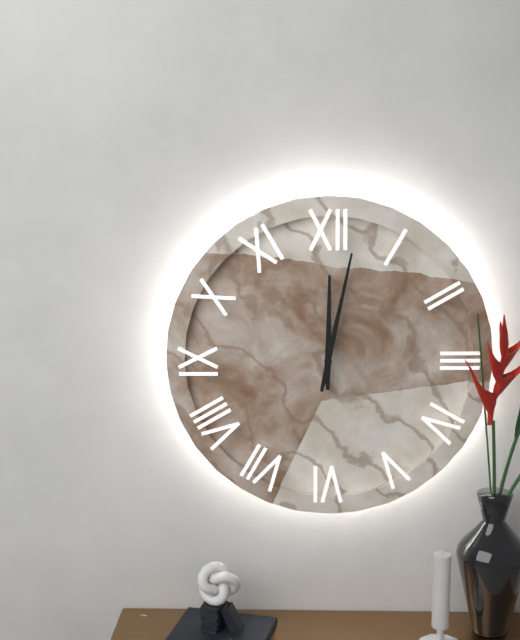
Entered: 12.02
